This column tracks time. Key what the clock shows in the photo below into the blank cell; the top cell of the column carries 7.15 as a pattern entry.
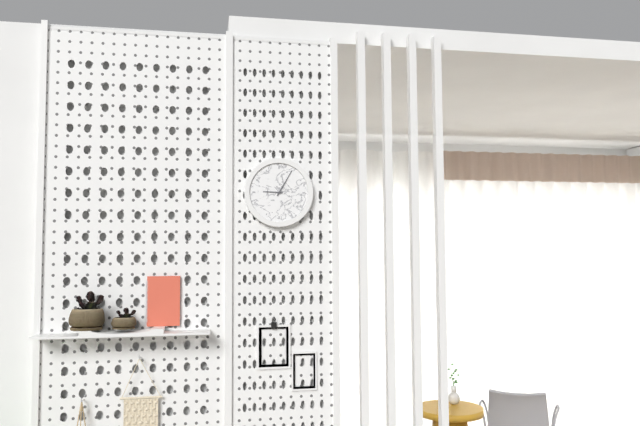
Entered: 9.05
